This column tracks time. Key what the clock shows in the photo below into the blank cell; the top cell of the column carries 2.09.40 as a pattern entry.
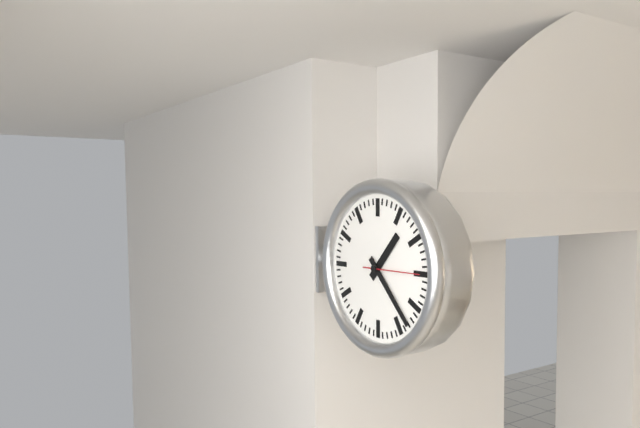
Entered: 1.23.15
